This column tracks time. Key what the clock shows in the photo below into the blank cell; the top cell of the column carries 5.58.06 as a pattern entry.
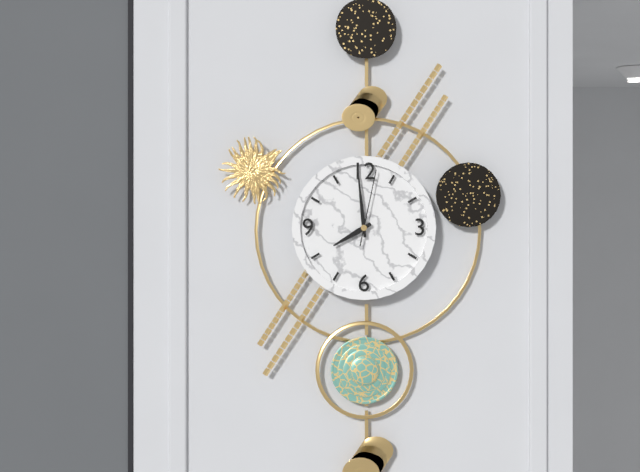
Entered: 7.59.02
